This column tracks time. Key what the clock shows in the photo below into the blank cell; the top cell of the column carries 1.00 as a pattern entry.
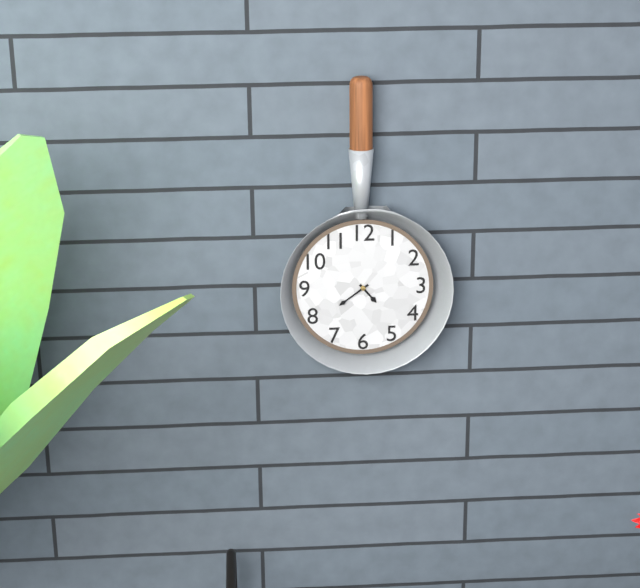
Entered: 4.39
